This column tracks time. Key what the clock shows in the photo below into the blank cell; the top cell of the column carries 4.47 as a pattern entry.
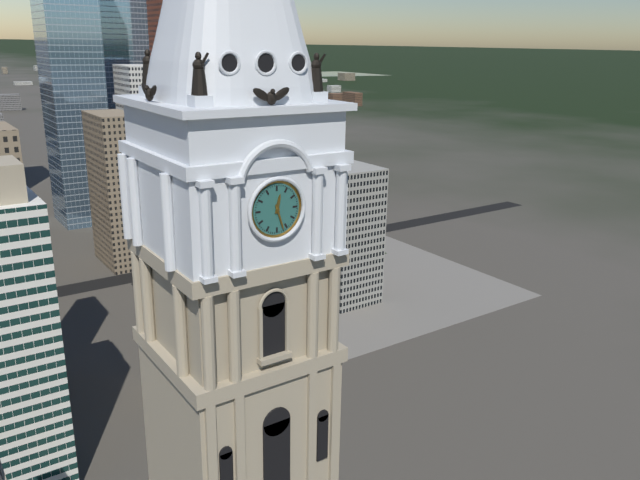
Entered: 12.27
